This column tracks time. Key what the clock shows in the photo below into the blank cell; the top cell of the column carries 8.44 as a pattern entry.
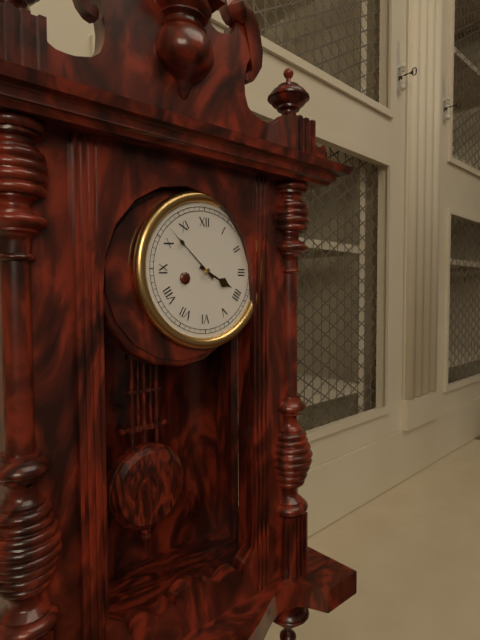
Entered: 3.52
